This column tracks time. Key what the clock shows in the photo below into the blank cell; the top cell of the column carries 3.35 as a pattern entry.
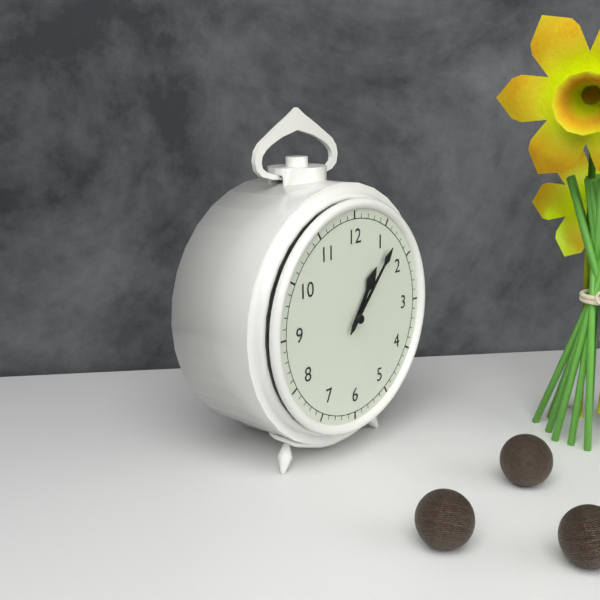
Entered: 1.07
